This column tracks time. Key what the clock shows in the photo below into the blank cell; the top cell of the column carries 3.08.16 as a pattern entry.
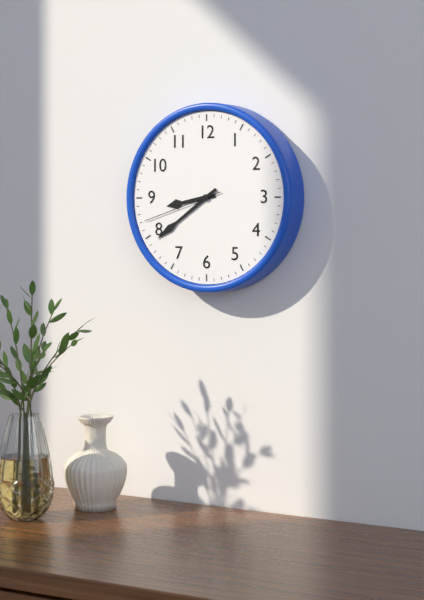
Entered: 8.39.42
